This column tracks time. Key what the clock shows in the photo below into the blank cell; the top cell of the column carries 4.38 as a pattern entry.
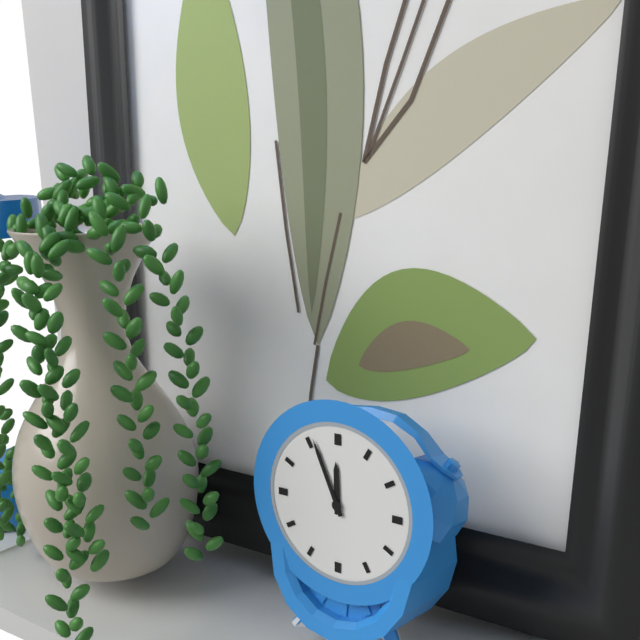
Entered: 11.56
